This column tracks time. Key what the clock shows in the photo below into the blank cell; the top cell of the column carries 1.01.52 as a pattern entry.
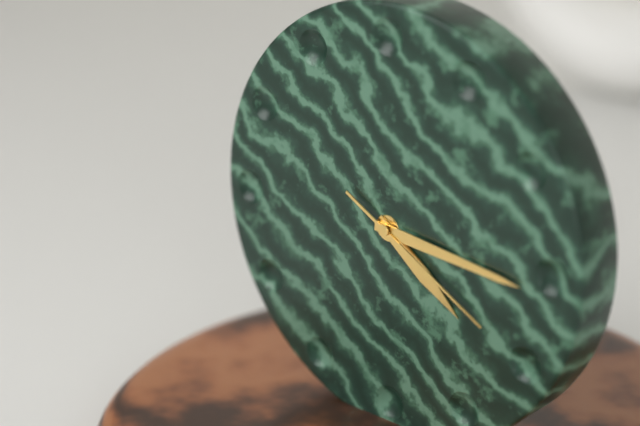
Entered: 4.16.20
